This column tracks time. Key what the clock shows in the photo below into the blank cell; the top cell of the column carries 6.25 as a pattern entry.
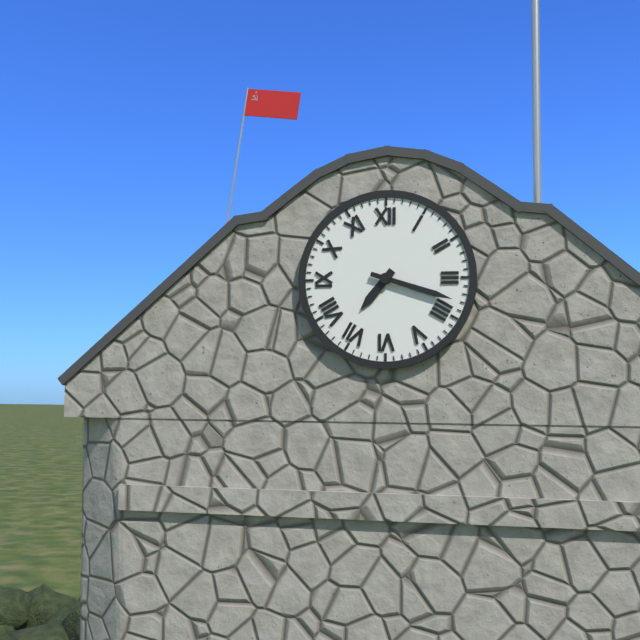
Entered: 7.18
